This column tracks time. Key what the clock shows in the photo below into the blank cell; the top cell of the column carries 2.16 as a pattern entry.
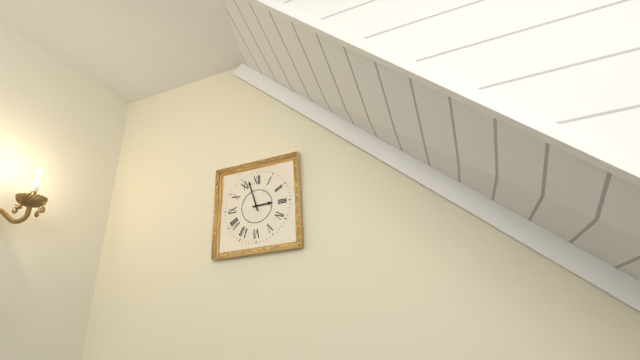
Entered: 2.57
